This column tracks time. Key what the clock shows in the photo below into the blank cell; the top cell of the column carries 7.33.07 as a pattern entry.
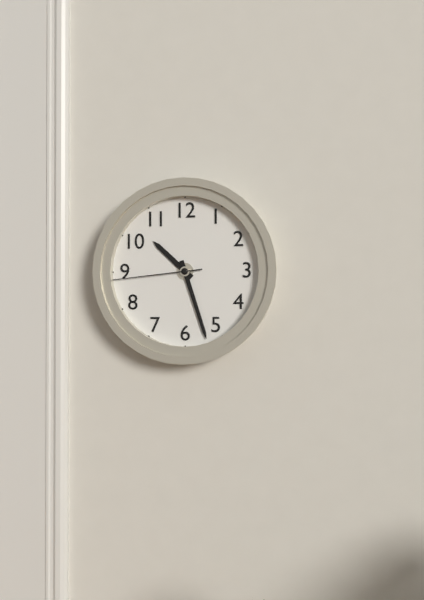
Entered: 10.27.44
